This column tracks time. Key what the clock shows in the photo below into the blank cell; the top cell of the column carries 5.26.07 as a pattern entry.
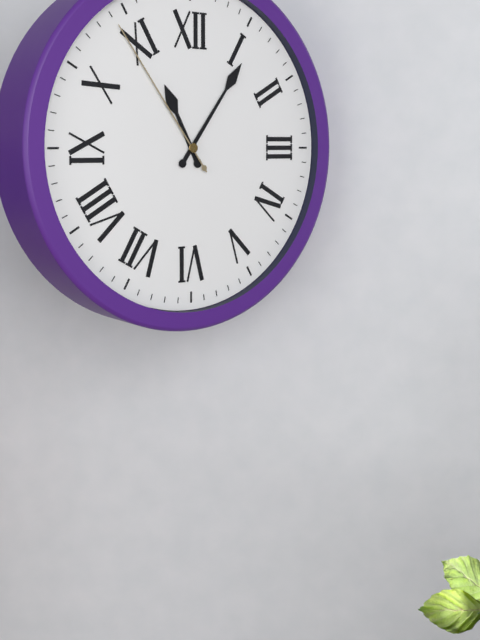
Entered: 11.06.54
